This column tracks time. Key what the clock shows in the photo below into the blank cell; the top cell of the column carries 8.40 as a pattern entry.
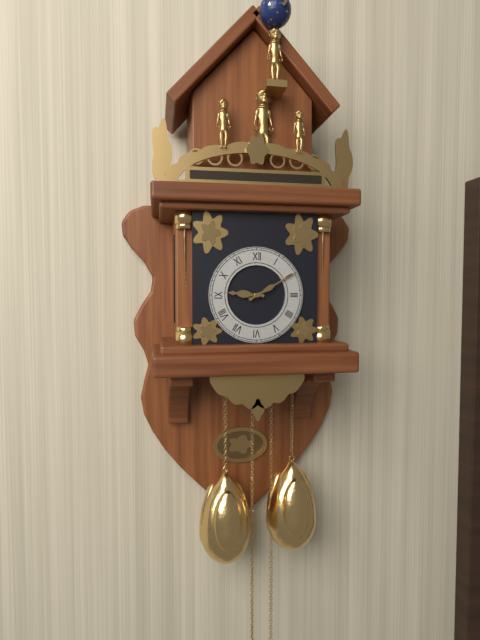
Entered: 9.10
